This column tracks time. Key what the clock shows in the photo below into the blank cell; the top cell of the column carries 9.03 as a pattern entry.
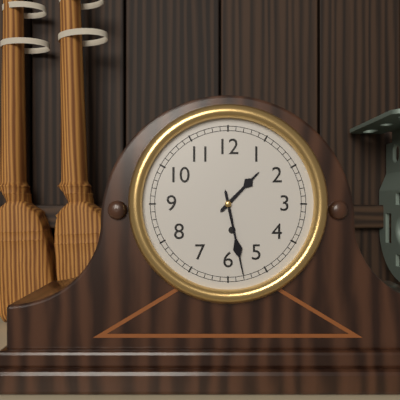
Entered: 1.28
